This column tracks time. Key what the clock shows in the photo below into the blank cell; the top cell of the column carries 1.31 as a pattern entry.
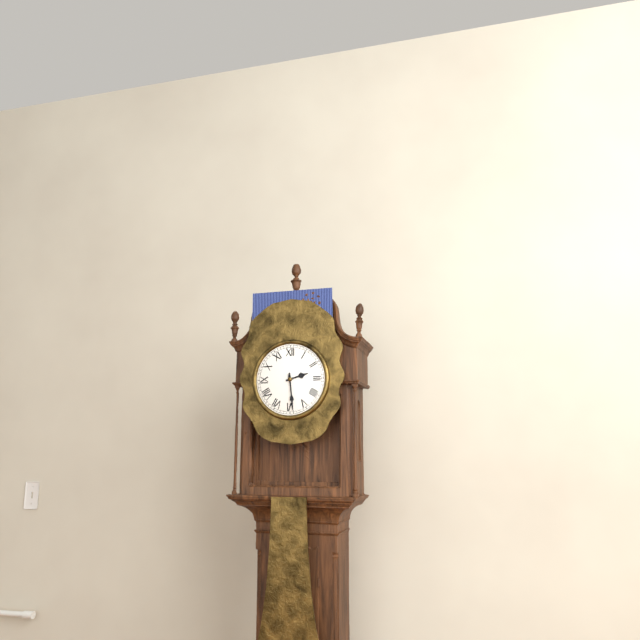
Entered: 2.29
